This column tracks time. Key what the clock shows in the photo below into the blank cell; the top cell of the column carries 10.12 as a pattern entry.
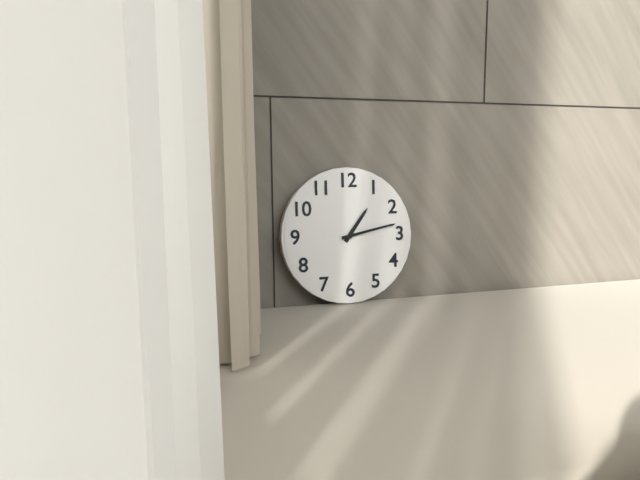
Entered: 1.13
